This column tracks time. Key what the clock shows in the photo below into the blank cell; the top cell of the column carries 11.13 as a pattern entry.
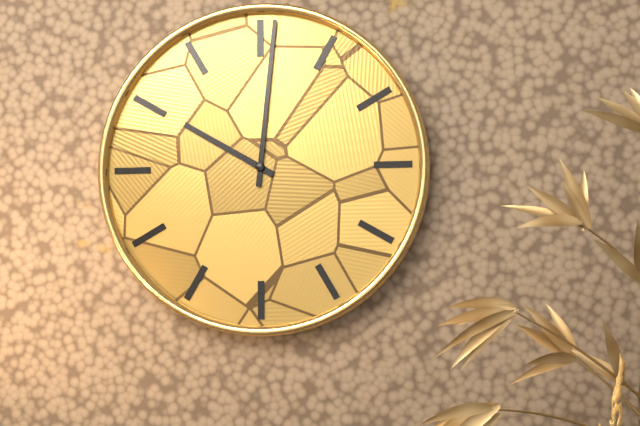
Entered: 10.01
